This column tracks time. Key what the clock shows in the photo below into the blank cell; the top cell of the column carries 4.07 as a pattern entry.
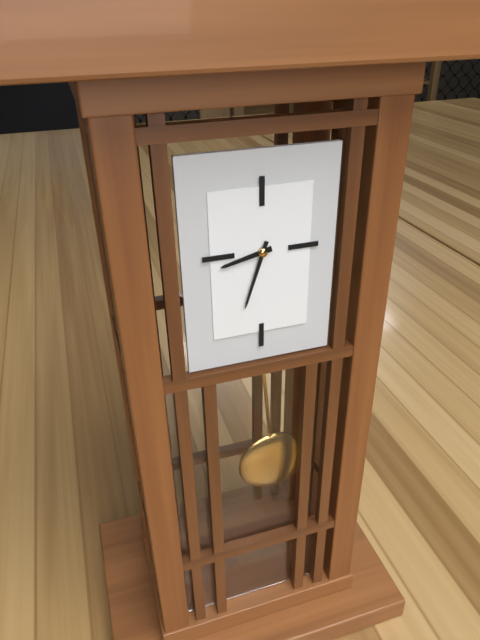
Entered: 8.33
